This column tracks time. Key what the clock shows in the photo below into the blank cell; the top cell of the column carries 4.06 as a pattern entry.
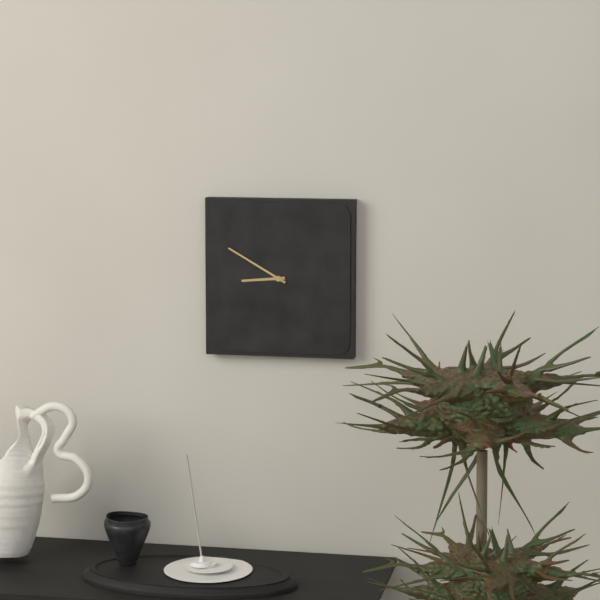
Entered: 8.50
